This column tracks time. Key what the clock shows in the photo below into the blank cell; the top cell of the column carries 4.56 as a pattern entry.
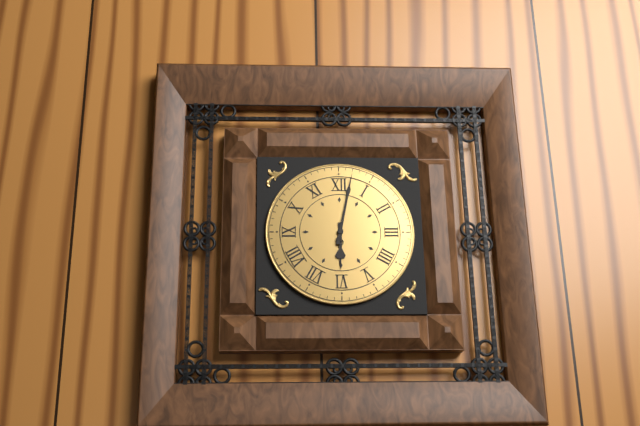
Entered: 6.02
